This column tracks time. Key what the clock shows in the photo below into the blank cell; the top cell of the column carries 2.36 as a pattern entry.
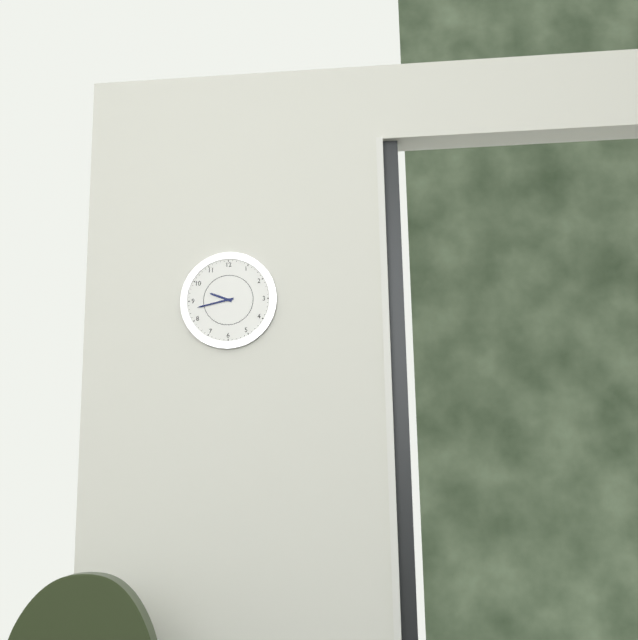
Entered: 9.43
